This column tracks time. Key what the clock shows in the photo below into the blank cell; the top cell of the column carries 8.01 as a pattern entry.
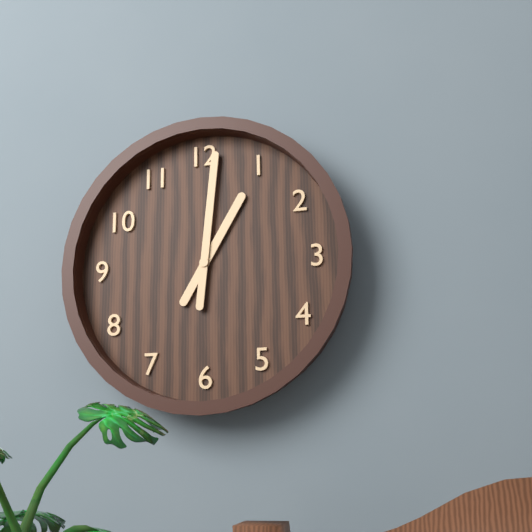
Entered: 1.01
